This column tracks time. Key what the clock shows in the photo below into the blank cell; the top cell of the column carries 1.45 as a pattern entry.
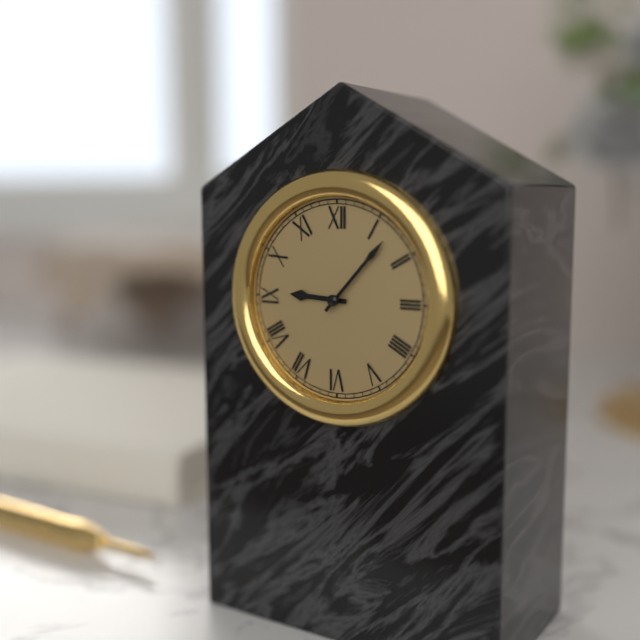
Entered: 9.07
